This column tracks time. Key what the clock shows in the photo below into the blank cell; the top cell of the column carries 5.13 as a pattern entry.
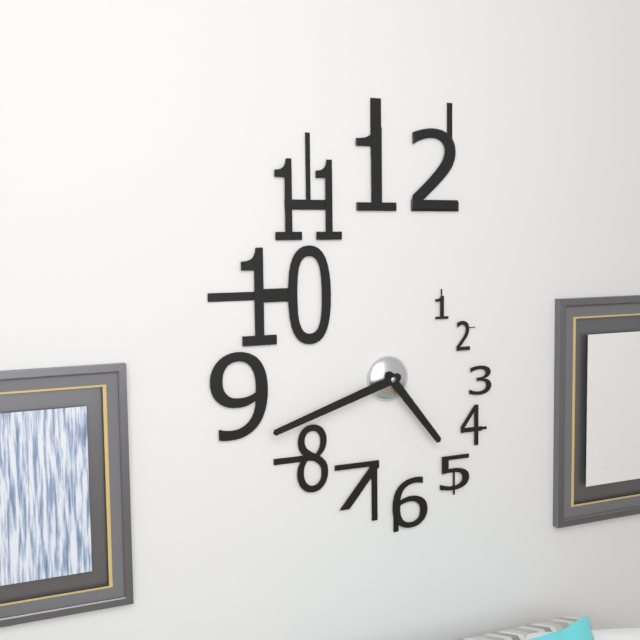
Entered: 4.42
